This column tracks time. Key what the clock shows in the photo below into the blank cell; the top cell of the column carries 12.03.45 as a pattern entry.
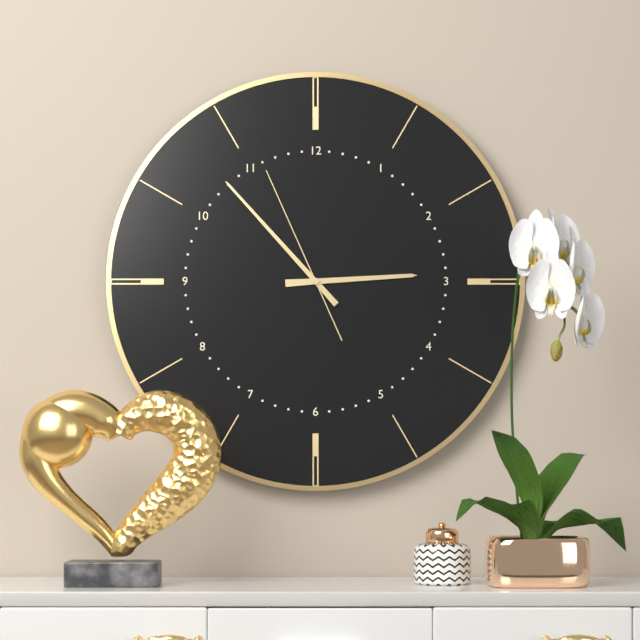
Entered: 2.53.56
